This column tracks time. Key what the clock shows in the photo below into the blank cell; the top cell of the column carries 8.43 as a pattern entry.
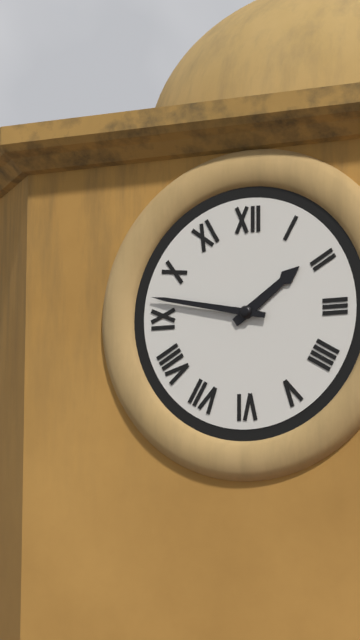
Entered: 1.47
